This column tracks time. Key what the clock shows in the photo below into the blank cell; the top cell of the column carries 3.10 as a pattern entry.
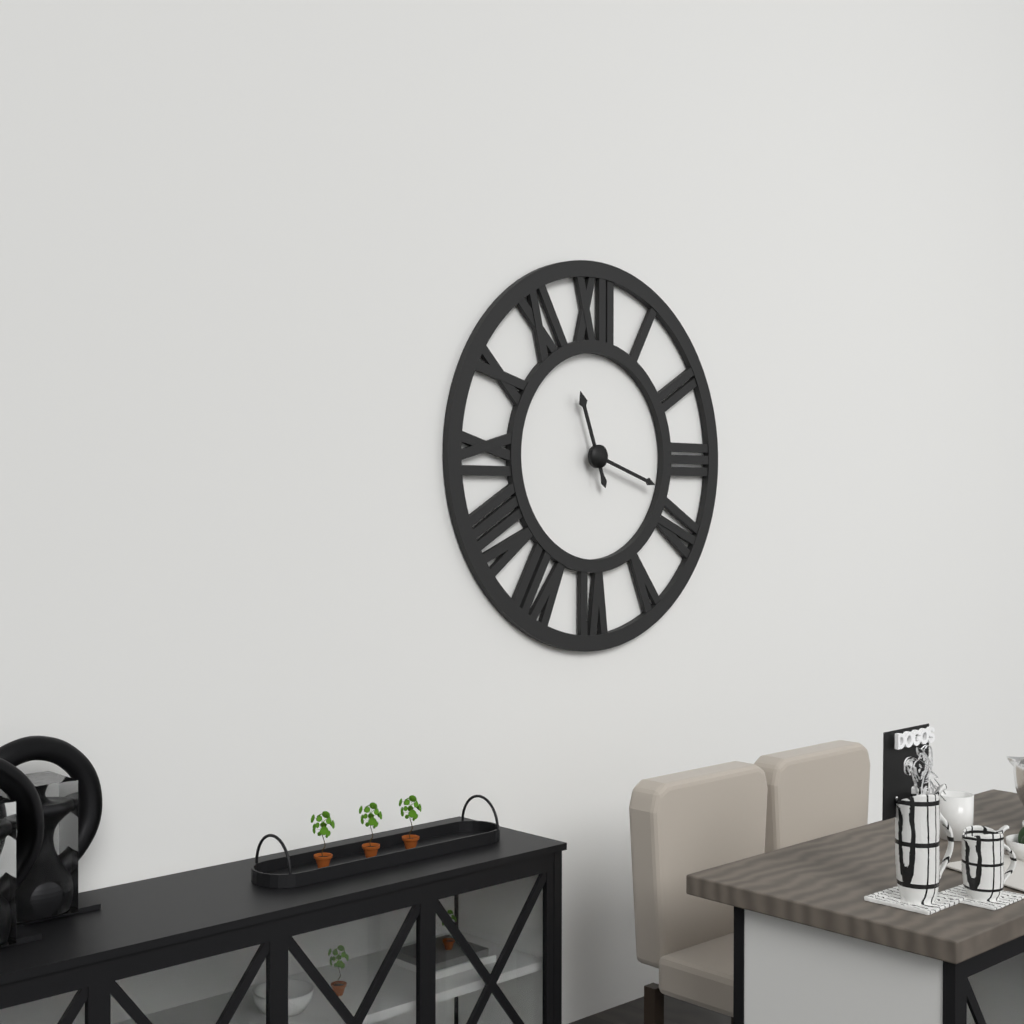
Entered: 11.18
